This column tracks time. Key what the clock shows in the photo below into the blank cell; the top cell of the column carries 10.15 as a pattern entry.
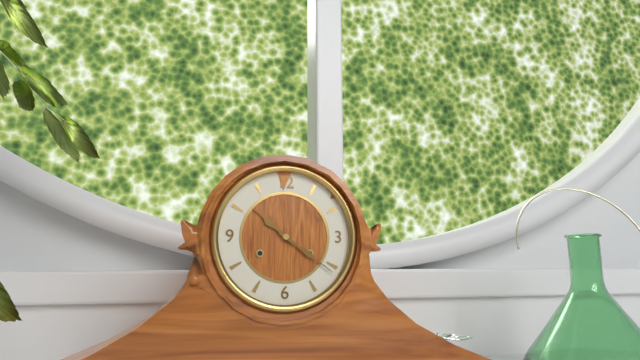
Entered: 10.21
